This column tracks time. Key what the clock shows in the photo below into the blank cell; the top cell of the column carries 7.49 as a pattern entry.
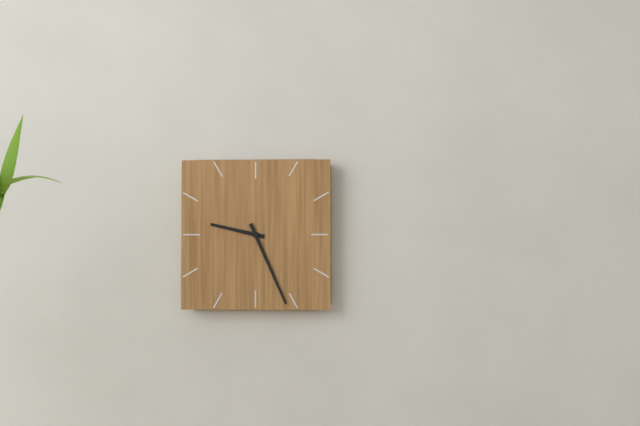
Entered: 9.26
